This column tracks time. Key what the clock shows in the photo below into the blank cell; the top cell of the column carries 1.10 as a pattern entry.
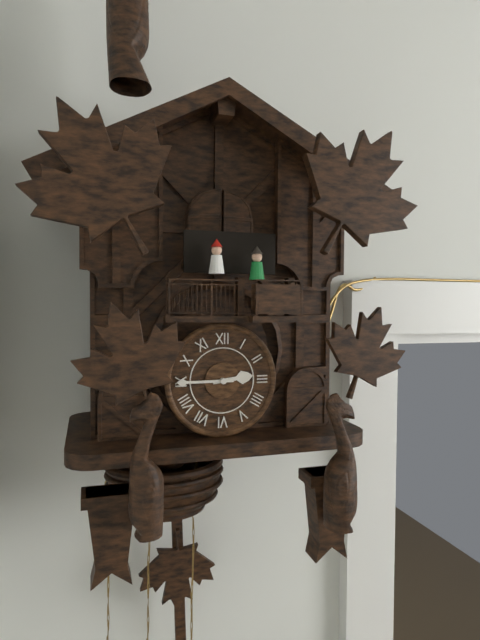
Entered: 2.45
